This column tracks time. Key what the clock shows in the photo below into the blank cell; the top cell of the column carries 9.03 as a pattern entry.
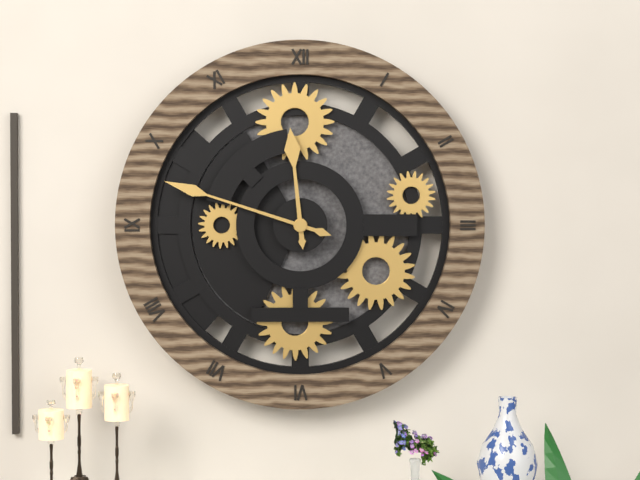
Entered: 11.48
